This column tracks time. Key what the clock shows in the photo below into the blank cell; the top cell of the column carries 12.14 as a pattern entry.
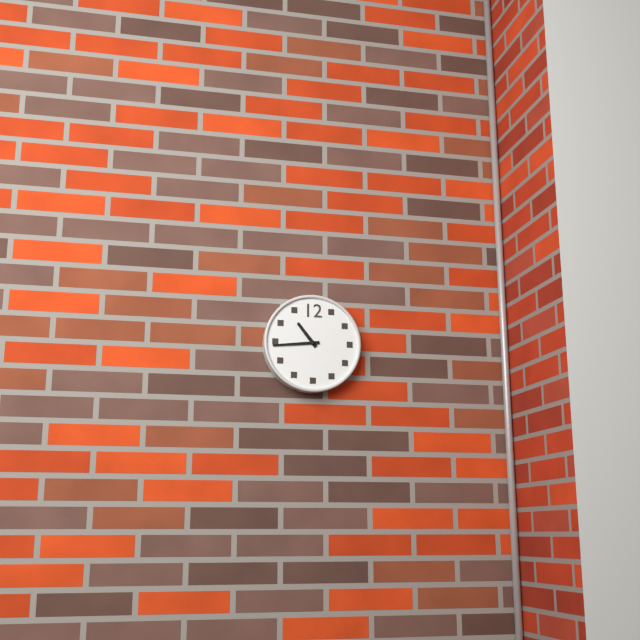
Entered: 10.44
